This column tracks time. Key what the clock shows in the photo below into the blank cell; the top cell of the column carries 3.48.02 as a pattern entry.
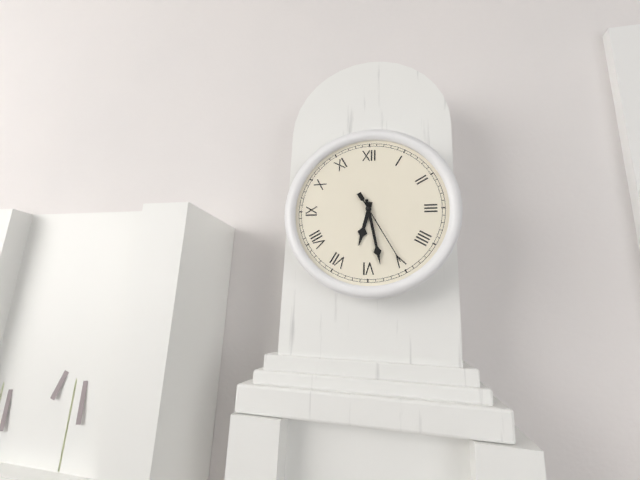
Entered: 6.28.25
